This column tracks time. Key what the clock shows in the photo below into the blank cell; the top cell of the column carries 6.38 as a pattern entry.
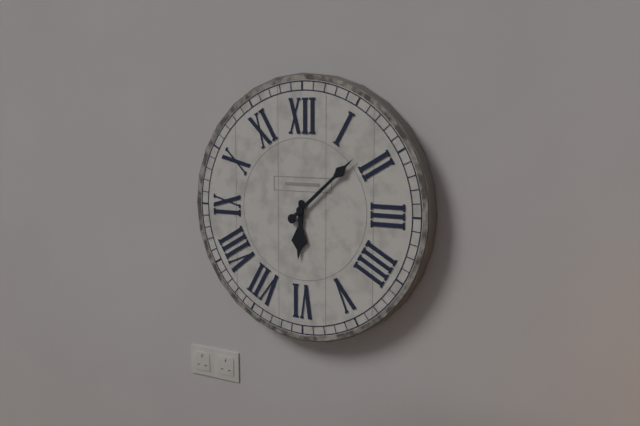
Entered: 6.08
